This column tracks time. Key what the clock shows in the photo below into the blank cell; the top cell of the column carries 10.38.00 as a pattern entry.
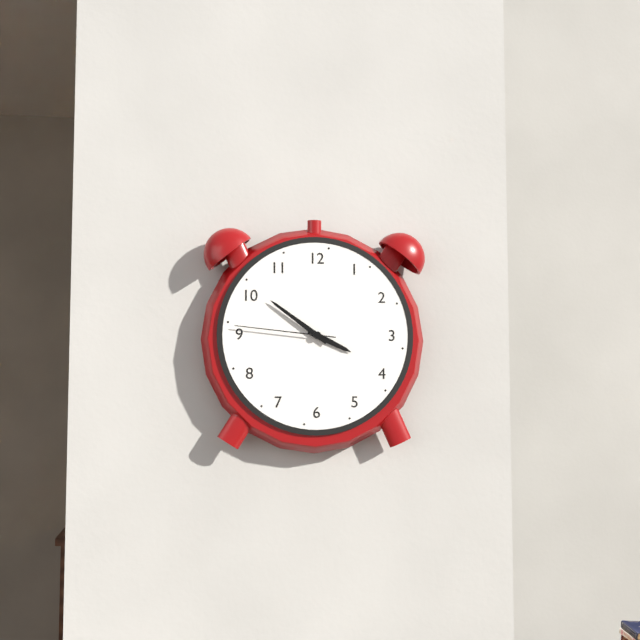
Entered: 3.51.46
